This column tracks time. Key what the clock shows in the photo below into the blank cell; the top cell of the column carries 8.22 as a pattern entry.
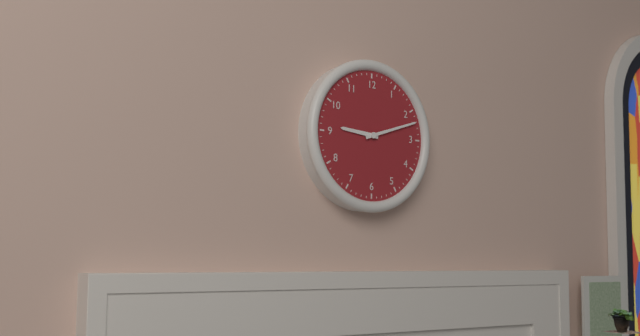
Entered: 9.12
